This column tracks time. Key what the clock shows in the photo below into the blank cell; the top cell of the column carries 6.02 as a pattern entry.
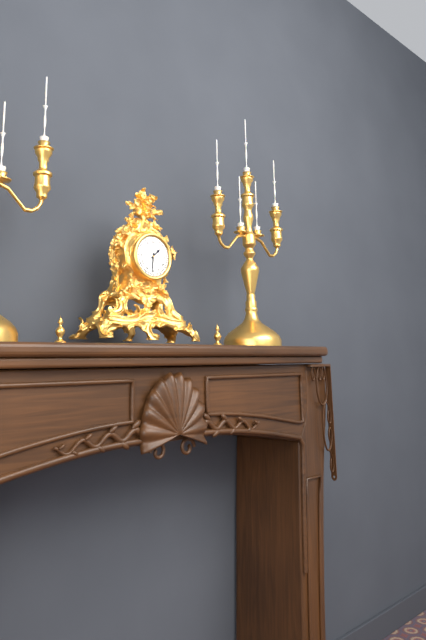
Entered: 1.31
